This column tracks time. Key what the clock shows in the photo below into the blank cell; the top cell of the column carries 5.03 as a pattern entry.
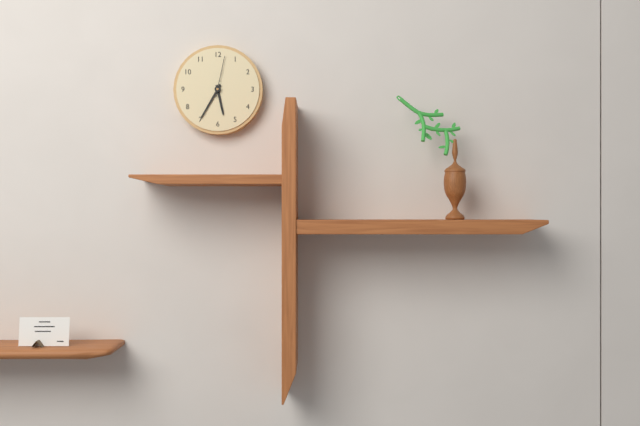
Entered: 5.35
